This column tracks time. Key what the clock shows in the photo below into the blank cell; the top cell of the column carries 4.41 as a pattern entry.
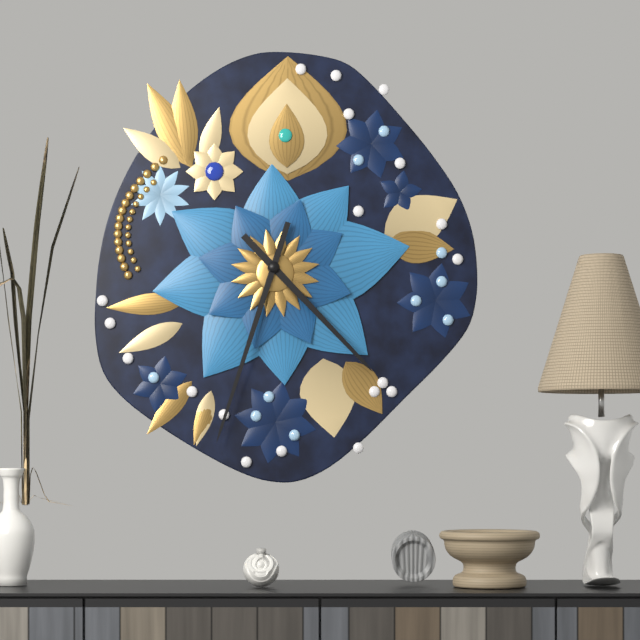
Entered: 4.33
